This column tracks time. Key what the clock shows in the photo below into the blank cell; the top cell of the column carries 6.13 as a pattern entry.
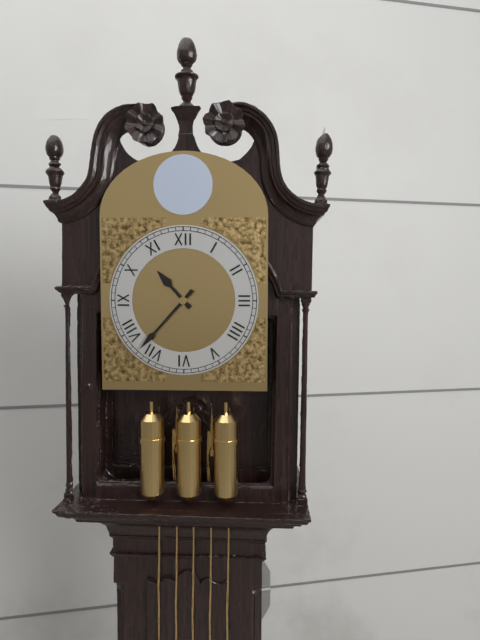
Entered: 10.37
